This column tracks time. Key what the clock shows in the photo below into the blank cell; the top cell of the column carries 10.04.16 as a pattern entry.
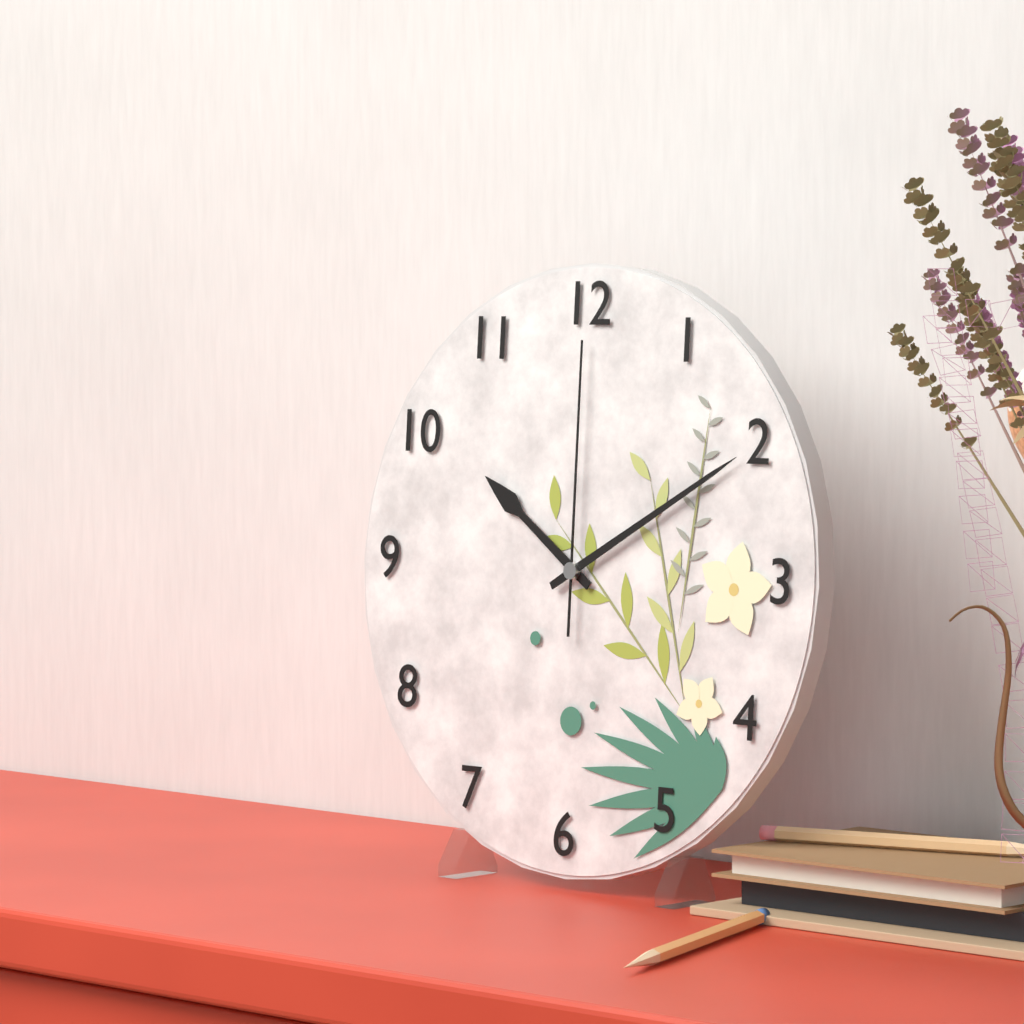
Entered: 10.10.00
